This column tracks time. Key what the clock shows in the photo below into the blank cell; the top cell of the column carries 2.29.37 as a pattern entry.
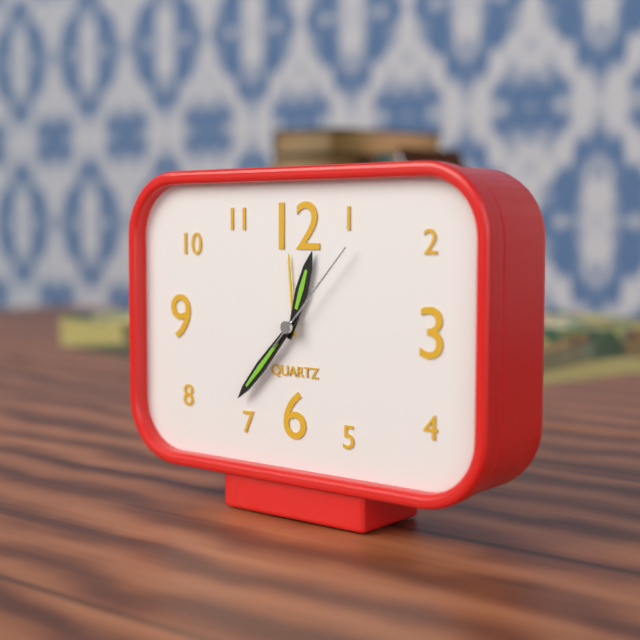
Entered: 12.37.07
